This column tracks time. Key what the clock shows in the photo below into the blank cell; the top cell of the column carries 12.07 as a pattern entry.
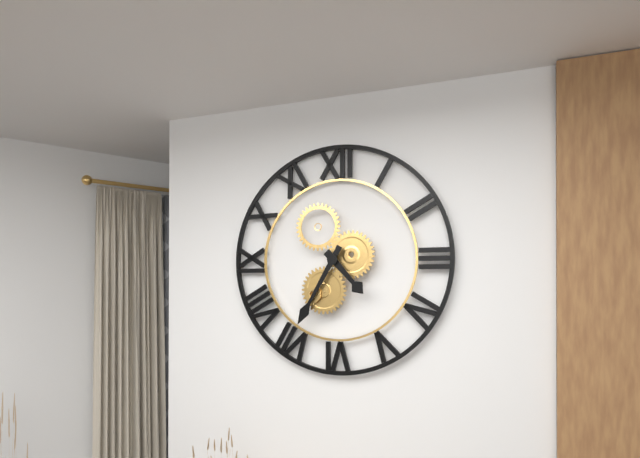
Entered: 4.35
